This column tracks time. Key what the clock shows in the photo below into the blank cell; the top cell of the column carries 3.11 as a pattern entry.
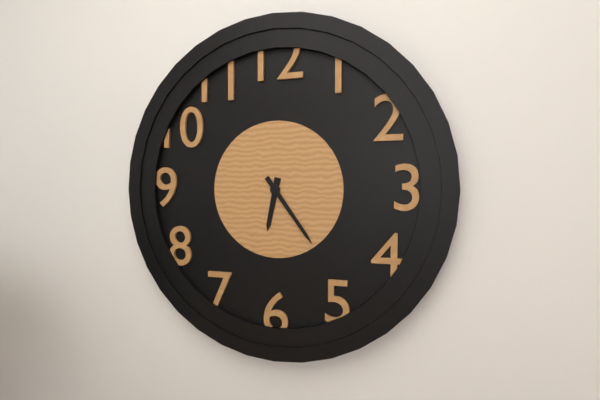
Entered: 6.24
